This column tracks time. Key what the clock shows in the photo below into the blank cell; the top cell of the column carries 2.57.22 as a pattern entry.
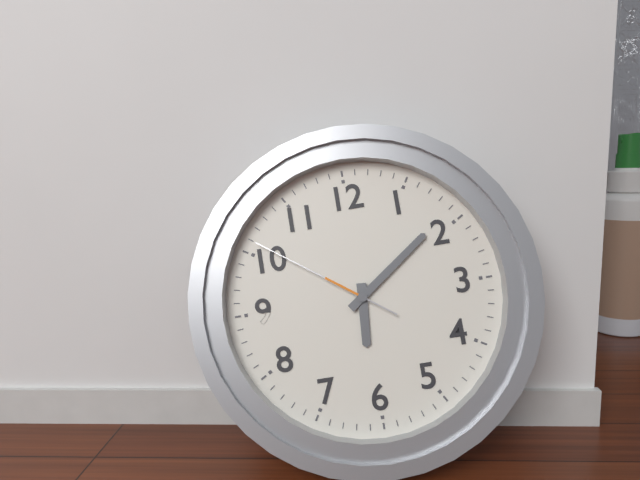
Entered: 6.09.51
